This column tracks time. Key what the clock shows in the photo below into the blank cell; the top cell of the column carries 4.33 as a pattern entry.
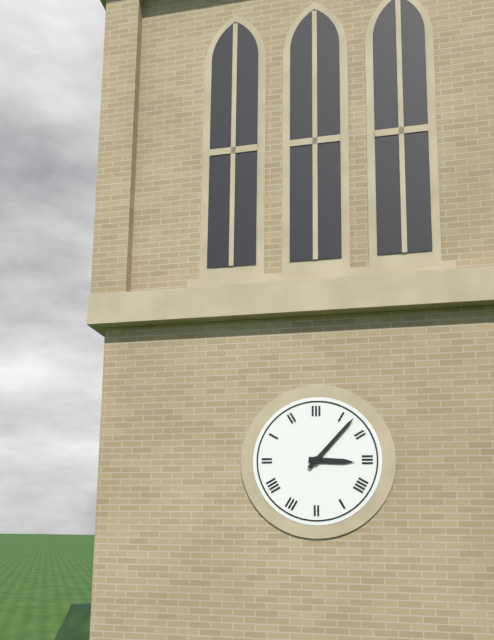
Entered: 3.07
